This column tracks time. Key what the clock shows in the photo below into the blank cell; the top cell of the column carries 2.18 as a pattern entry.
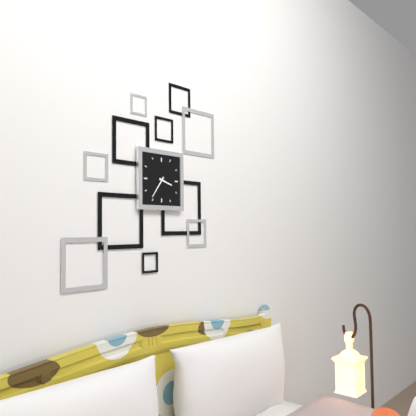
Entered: 3.36
